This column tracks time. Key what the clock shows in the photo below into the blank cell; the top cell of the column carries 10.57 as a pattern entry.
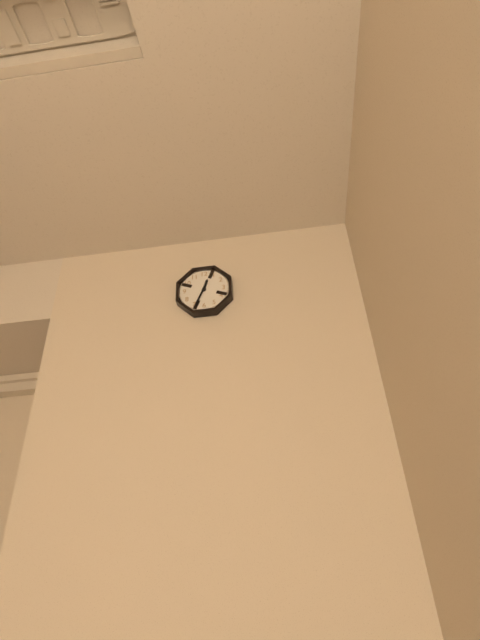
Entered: 12.34
